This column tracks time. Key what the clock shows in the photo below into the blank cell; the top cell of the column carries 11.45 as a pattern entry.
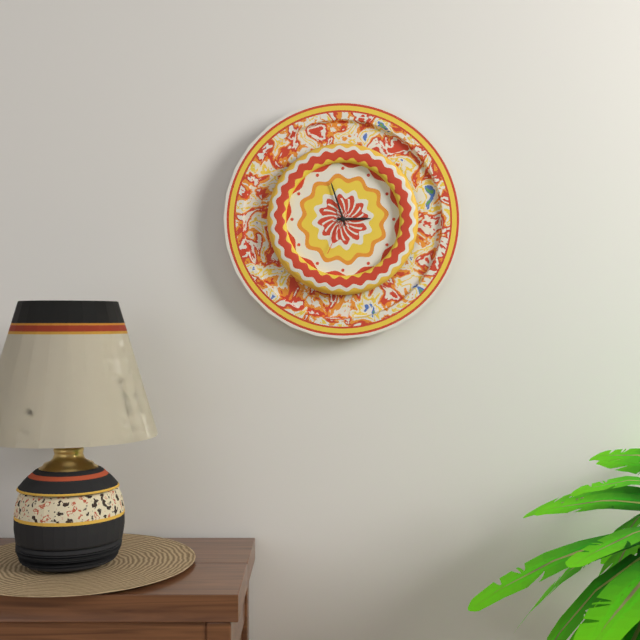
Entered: 2.57
